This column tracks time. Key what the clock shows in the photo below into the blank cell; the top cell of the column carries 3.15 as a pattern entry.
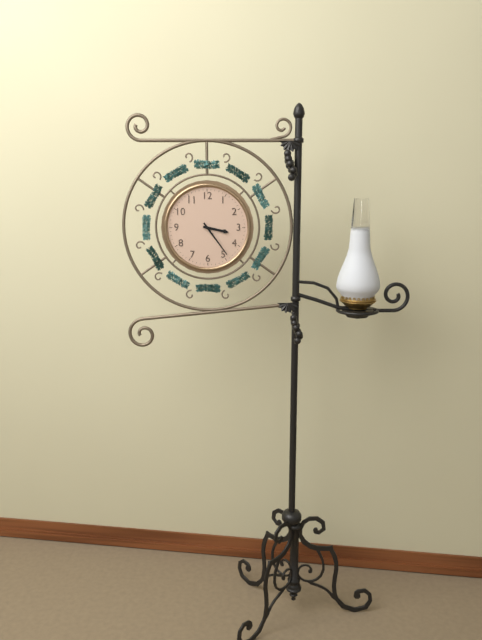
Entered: 3.24
